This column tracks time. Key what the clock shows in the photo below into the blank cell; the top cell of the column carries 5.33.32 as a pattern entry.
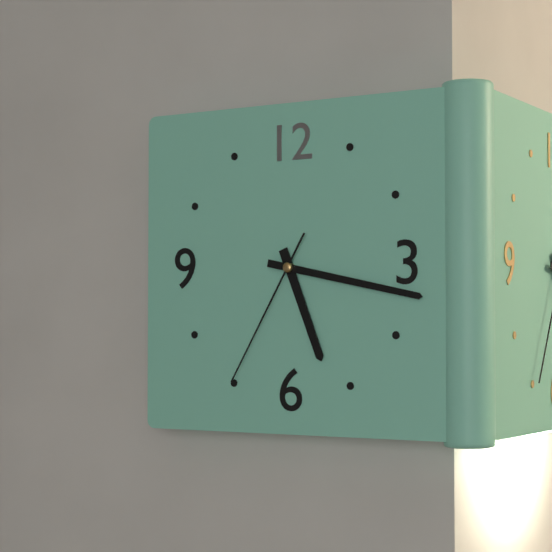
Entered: 5.17.35
